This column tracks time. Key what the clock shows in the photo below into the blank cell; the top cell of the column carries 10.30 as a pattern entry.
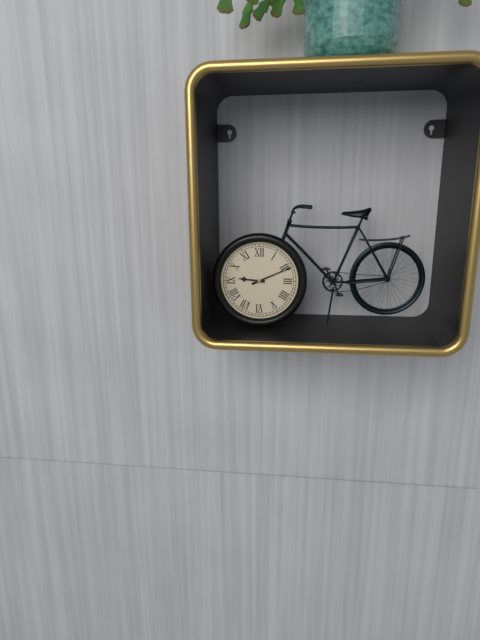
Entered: 9.11
